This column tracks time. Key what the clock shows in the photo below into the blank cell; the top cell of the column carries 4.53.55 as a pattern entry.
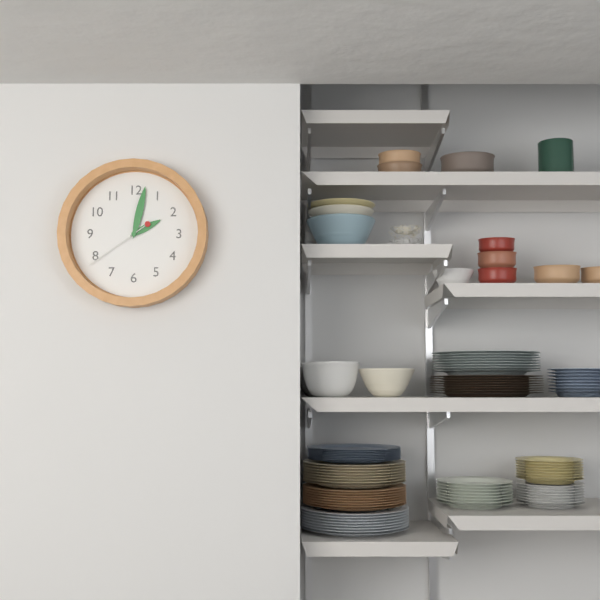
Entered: 2.02.39
